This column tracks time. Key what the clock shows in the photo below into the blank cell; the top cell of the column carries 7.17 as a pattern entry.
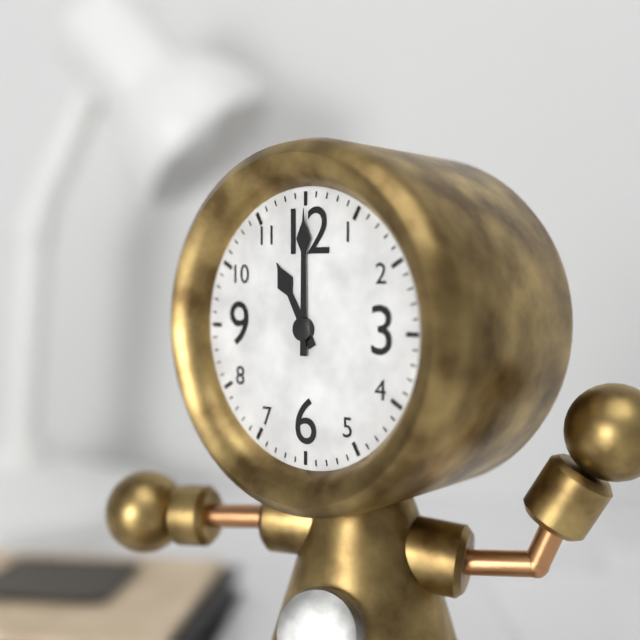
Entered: 11.00
